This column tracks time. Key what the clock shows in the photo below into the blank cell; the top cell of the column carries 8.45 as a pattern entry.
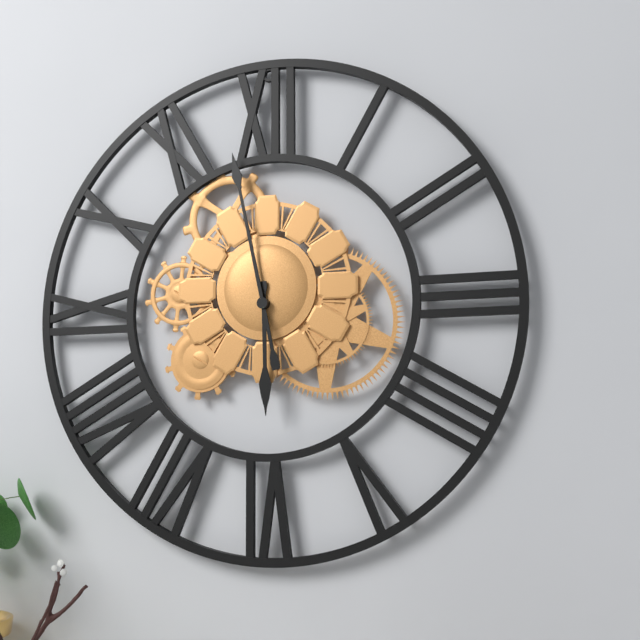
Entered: 5.58
